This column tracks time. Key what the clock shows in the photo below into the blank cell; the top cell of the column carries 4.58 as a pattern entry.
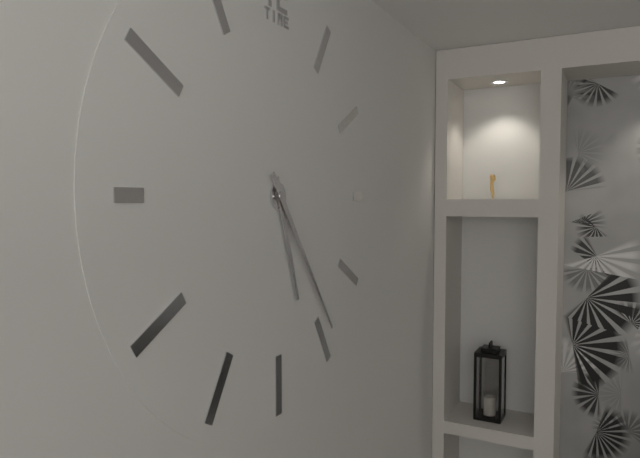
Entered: 5.24
